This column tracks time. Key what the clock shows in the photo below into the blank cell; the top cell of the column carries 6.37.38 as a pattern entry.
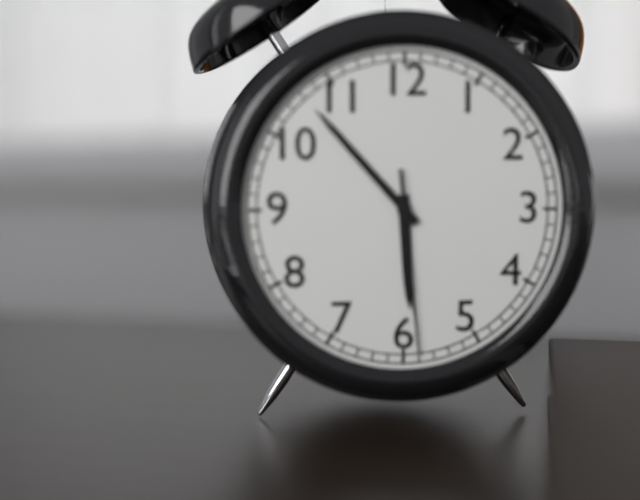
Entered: 5.53.29
